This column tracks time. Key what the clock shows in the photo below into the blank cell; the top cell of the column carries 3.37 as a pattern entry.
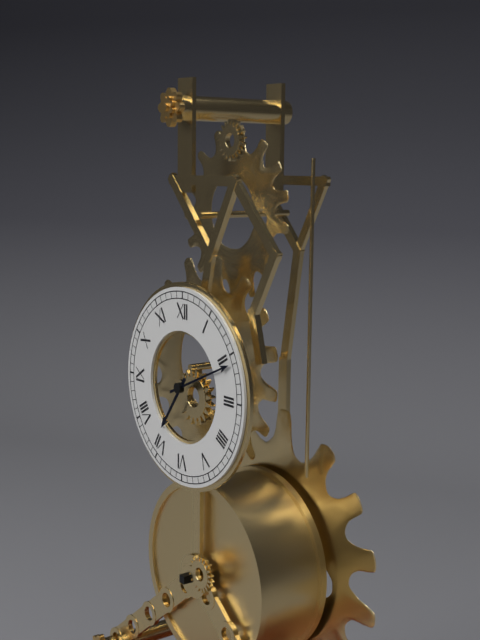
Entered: 7.11
